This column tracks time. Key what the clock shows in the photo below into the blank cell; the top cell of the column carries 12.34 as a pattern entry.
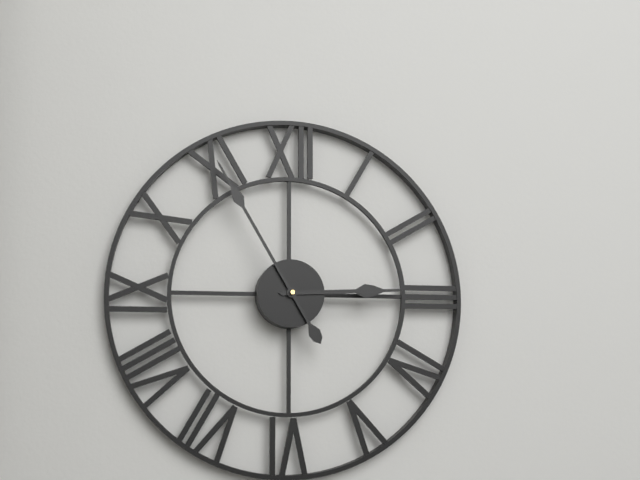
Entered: 2.55
